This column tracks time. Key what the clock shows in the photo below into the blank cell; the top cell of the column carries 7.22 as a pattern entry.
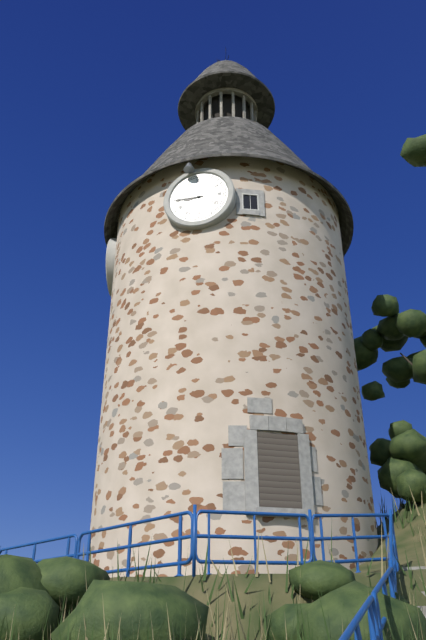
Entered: 8.45
